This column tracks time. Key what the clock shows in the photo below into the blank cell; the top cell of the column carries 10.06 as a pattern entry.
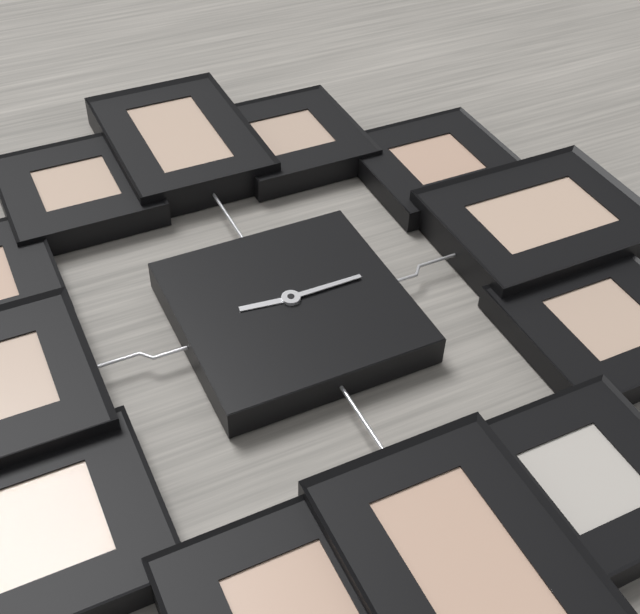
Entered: 9.15
